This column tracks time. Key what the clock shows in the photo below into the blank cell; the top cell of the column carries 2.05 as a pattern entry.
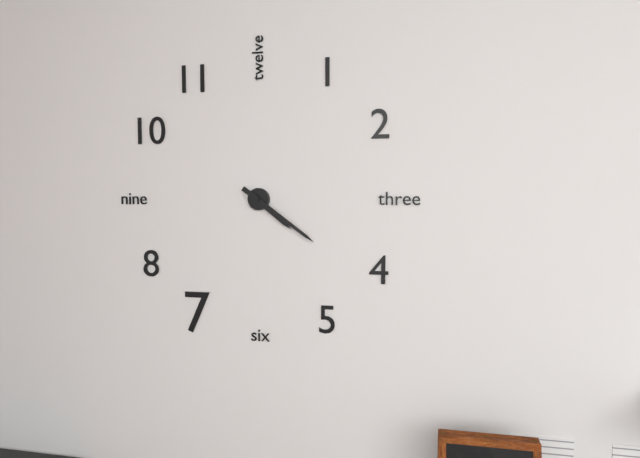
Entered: 4.21
